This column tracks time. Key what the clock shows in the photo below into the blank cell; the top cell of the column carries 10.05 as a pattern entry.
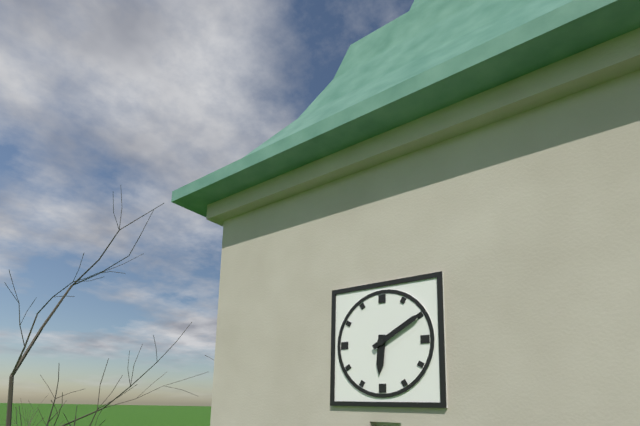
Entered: 6.10
